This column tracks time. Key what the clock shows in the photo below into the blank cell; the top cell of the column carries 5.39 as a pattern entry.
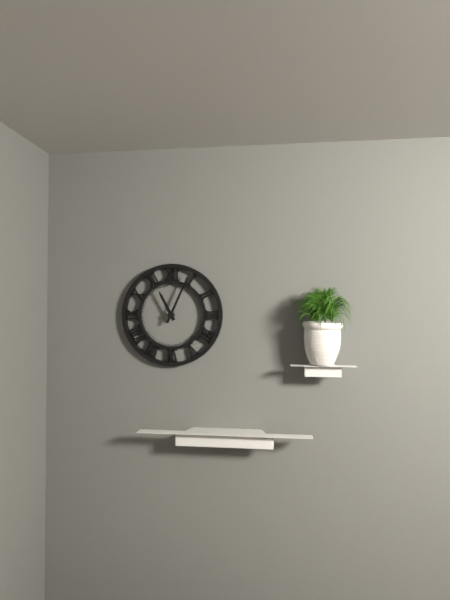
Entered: 11.04
